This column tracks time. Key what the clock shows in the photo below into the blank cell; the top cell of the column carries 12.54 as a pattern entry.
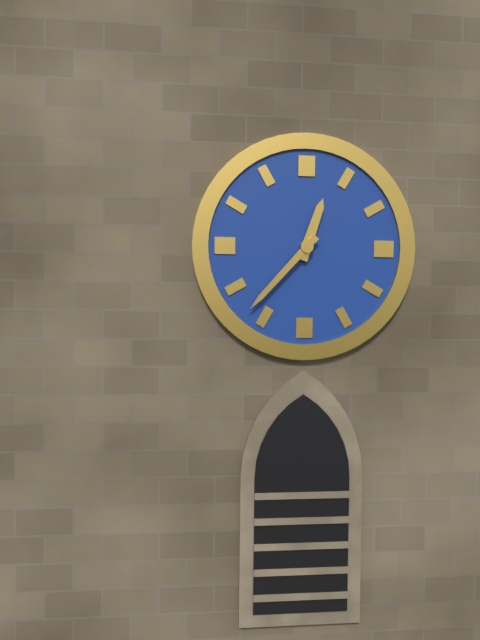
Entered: 12.37
